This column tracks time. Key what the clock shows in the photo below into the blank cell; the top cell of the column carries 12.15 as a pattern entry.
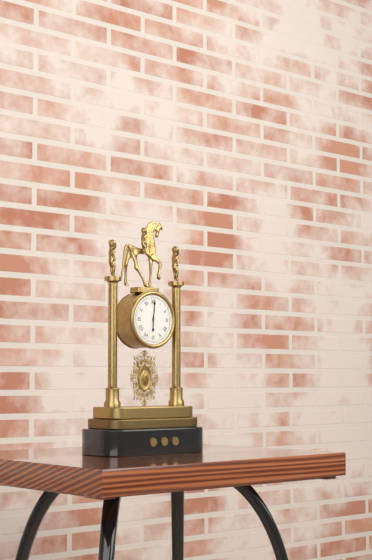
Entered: 6.01
